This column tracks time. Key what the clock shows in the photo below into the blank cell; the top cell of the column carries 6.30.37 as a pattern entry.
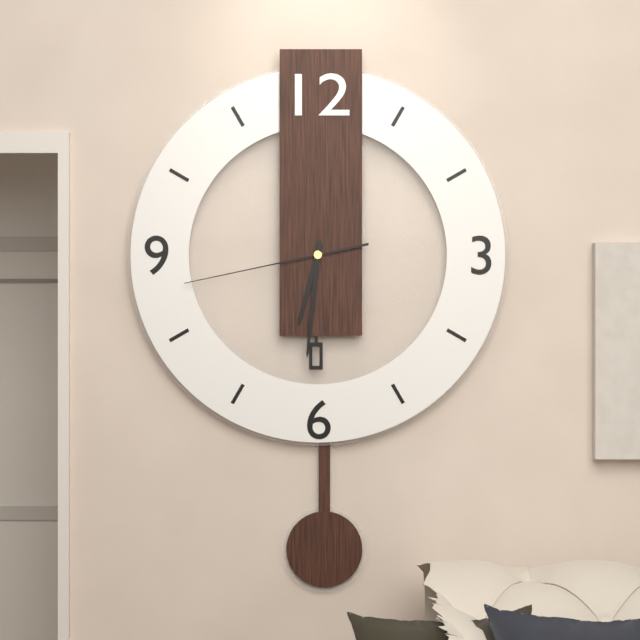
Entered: 6.31.43
